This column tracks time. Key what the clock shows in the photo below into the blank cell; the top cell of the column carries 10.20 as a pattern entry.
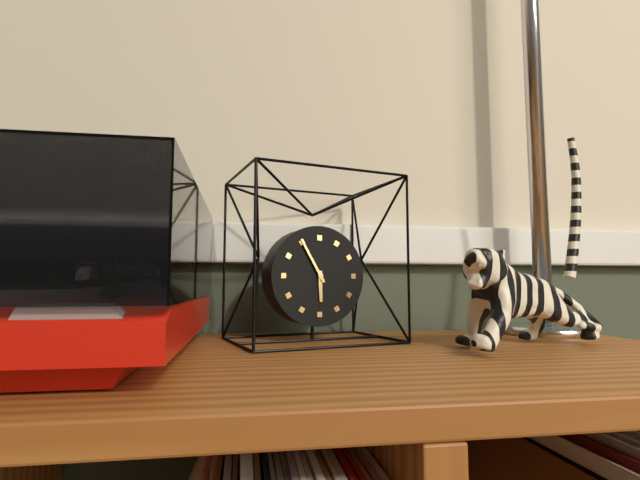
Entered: 5.55
